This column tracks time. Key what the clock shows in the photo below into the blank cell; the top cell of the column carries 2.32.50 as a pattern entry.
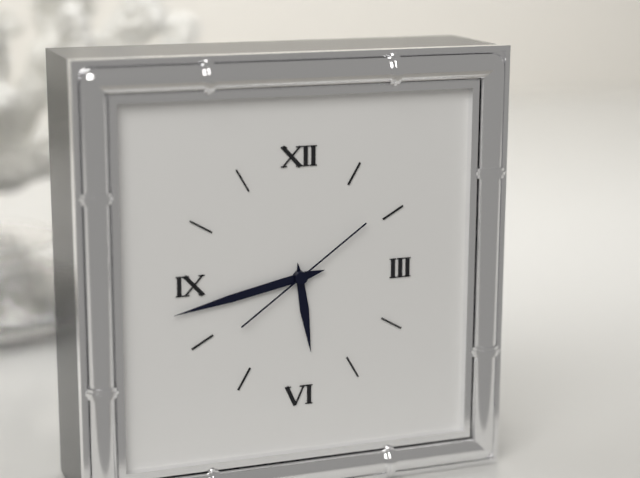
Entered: 5.43.09
